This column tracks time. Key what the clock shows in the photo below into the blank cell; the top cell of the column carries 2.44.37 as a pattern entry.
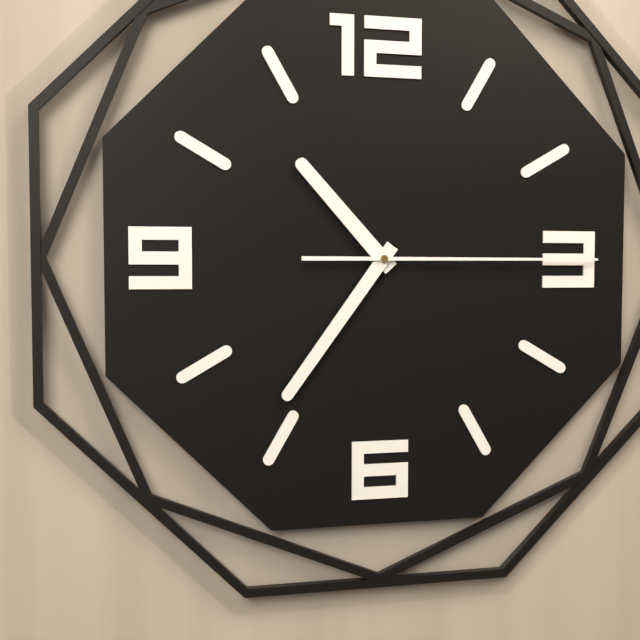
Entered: 10.36.15
